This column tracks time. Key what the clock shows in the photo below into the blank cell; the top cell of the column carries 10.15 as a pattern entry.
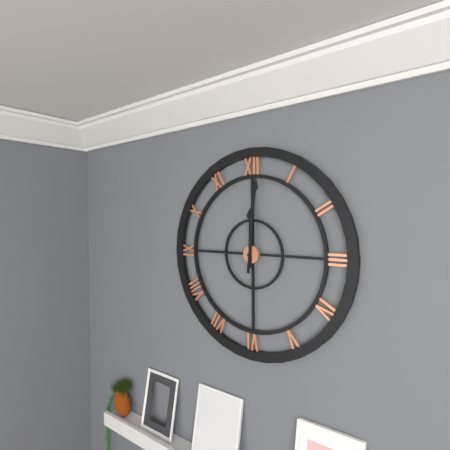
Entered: 12.01
